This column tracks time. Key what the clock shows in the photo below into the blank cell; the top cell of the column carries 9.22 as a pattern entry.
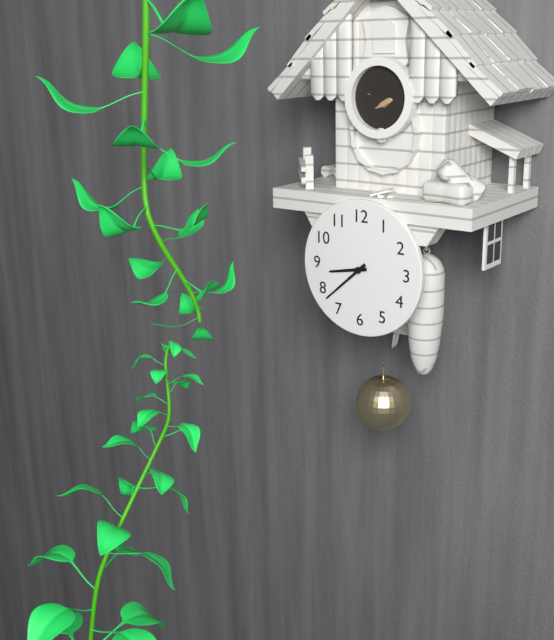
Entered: 8.38
